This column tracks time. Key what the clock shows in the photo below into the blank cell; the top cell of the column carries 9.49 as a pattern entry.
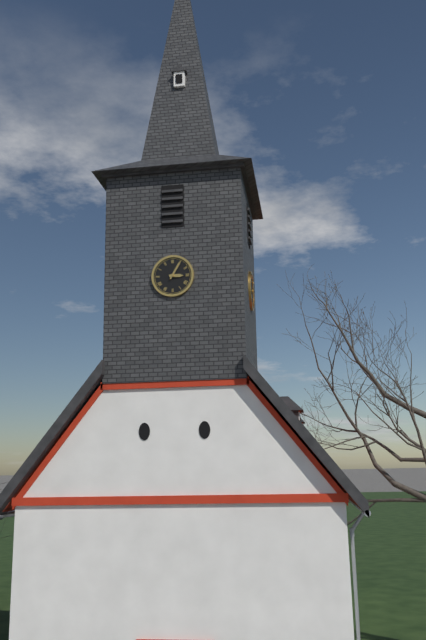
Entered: 3.05
